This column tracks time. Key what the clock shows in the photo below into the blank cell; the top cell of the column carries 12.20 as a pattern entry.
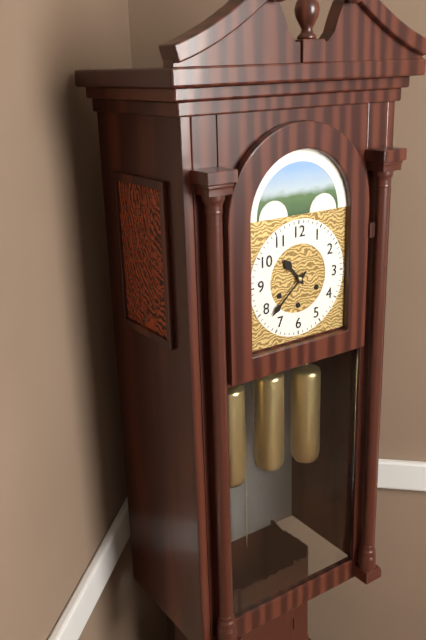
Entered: 10.38
